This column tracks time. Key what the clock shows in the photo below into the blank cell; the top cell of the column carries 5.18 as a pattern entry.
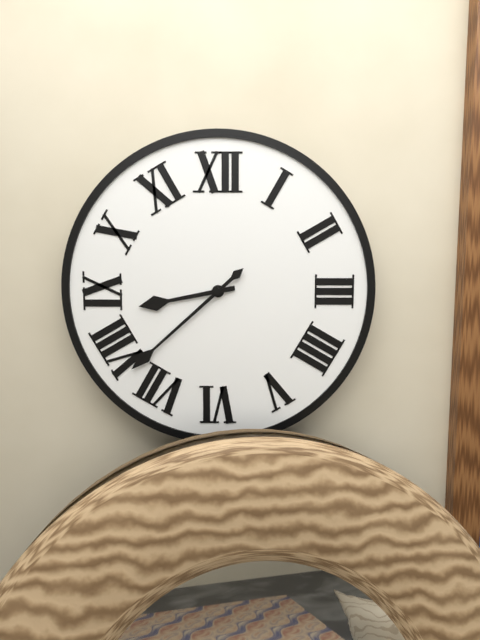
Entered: 8.38
